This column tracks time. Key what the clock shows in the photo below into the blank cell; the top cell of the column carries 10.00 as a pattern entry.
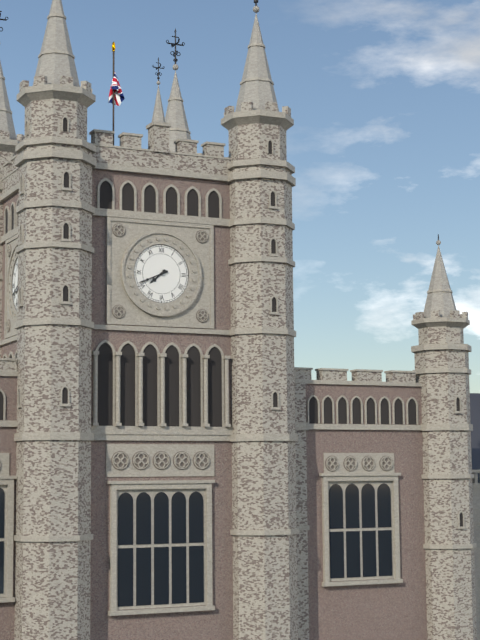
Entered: 7.41
